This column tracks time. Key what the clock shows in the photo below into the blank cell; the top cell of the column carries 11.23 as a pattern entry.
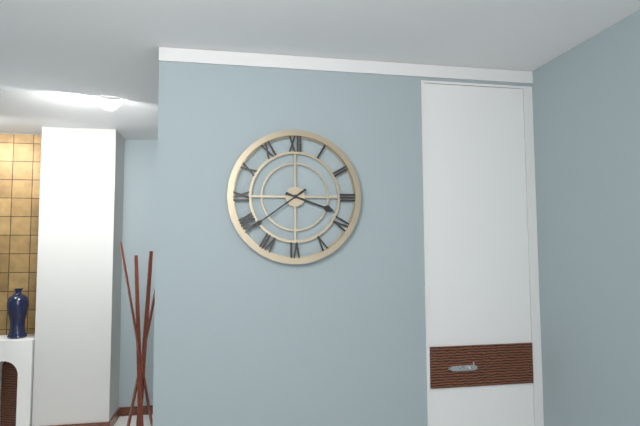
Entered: 3.39
